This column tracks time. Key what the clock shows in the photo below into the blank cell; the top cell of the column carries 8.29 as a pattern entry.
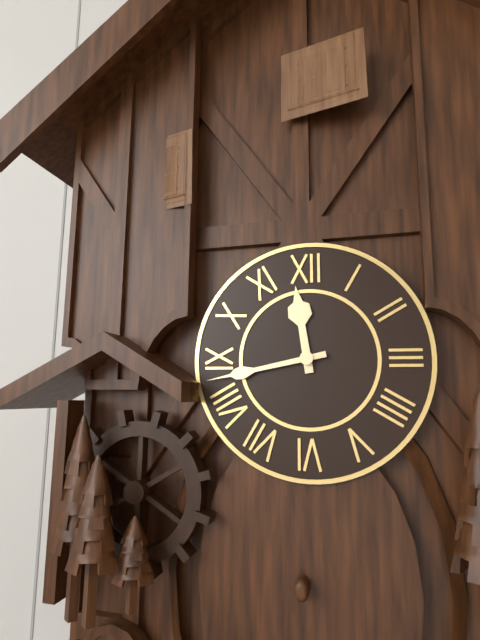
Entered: 11.43
